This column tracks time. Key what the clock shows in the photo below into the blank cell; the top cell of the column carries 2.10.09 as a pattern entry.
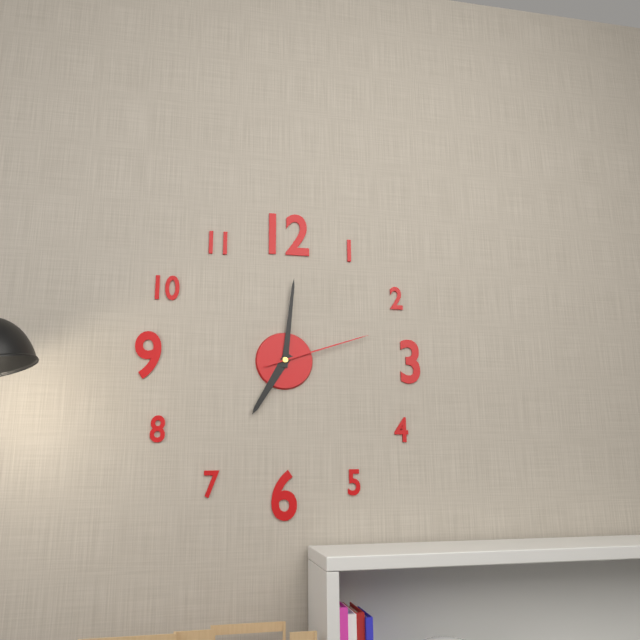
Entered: 7.01.12
